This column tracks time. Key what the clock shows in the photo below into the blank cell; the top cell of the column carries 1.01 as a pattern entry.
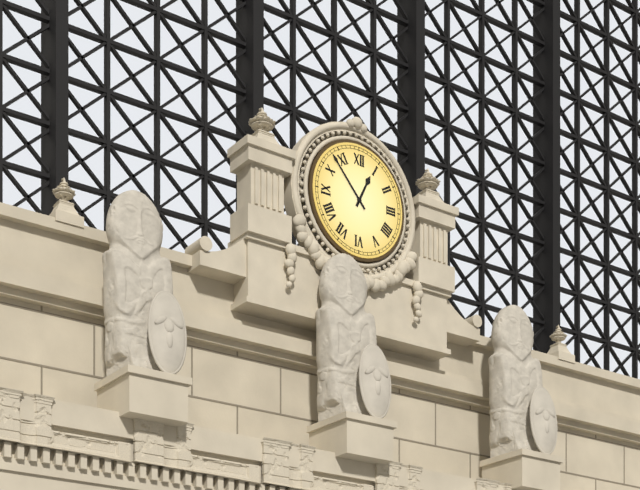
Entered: 12.53
